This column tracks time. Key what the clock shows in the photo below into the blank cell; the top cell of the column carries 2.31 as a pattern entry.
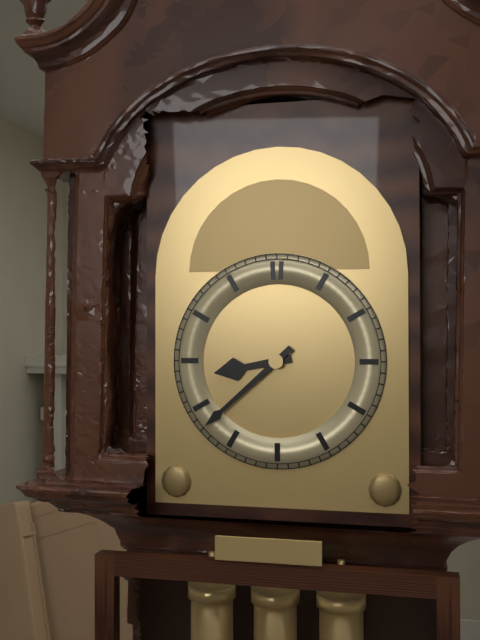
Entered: 8.38
